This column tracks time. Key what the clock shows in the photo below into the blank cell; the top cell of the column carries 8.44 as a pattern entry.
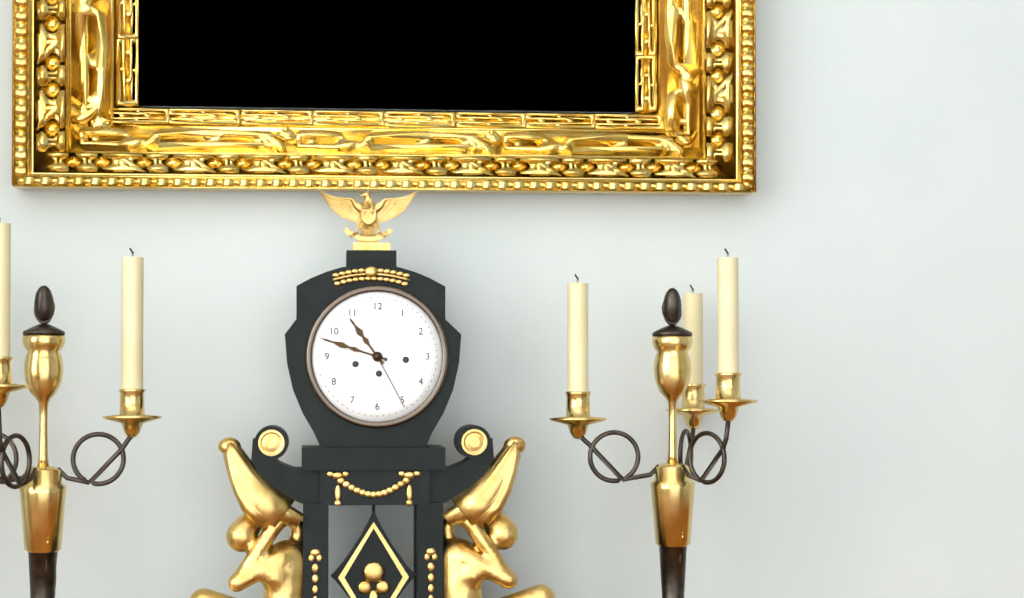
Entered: 10.48
